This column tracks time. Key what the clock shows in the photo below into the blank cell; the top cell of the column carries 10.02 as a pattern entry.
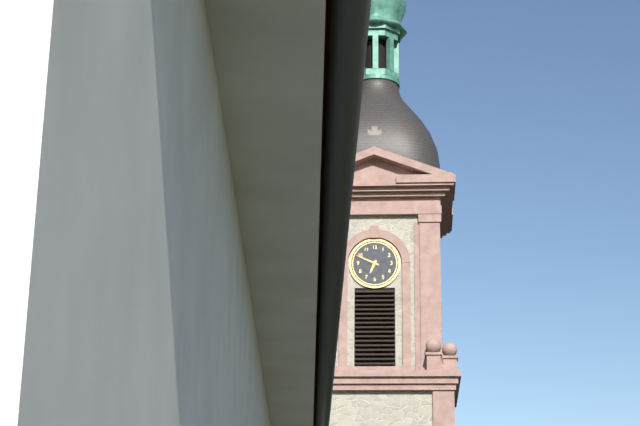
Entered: 6.49
